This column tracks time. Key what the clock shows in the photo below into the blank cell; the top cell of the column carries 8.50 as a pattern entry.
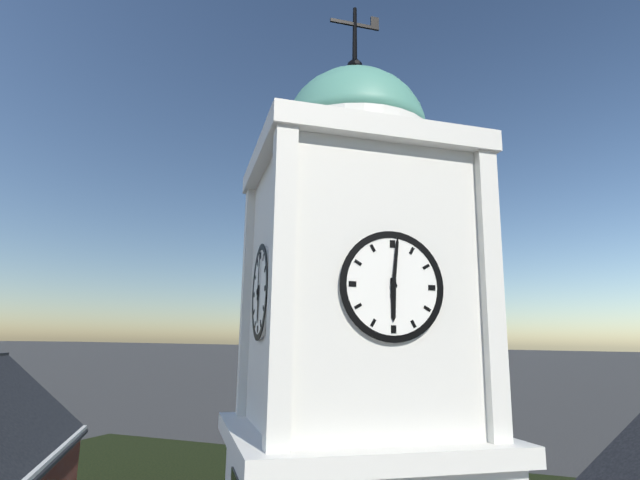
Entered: 6.01
